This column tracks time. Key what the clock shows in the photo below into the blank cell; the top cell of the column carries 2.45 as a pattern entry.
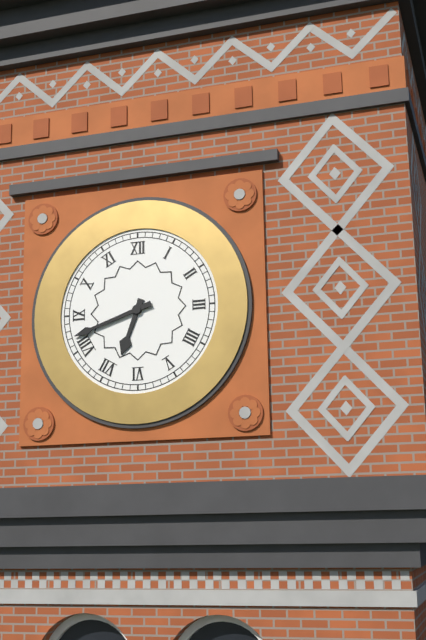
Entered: 6.42
